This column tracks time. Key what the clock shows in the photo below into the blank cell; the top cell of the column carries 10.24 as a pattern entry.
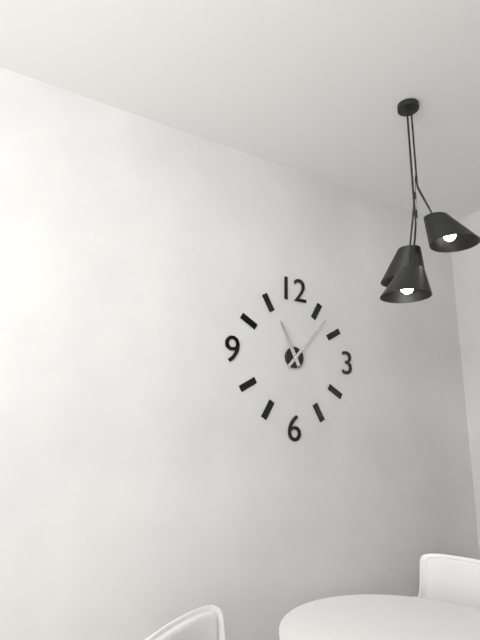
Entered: 11.07
